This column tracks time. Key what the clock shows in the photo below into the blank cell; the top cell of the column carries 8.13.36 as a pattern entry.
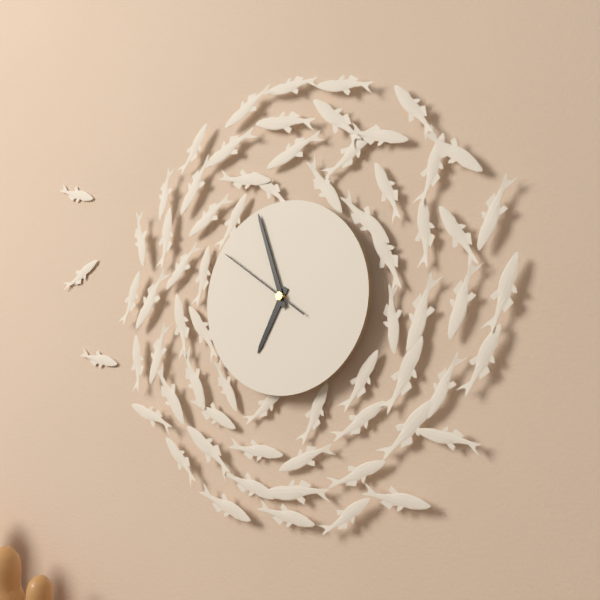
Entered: 6.57.51
